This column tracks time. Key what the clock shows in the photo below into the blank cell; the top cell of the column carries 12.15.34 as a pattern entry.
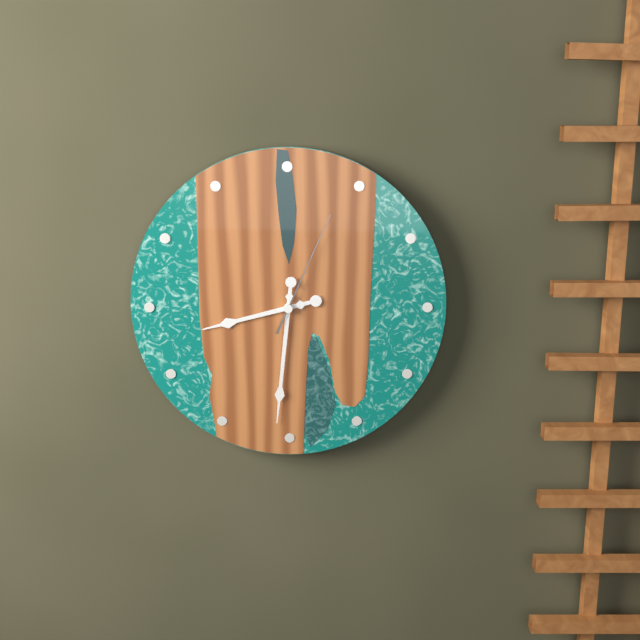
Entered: 8.31.04
